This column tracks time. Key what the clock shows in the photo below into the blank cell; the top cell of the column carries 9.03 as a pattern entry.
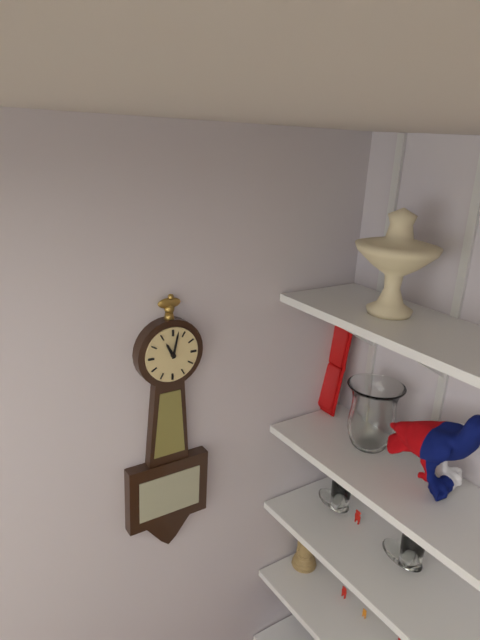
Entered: 11.02
